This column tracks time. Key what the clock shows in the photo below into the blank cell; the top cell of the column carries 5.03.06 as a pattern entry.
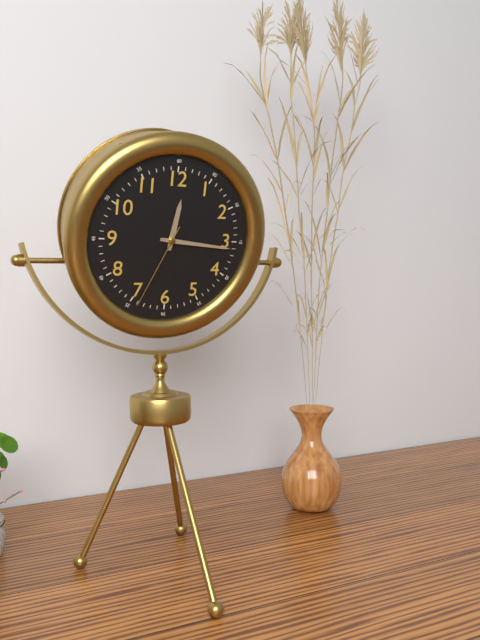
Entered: 12.16.34
